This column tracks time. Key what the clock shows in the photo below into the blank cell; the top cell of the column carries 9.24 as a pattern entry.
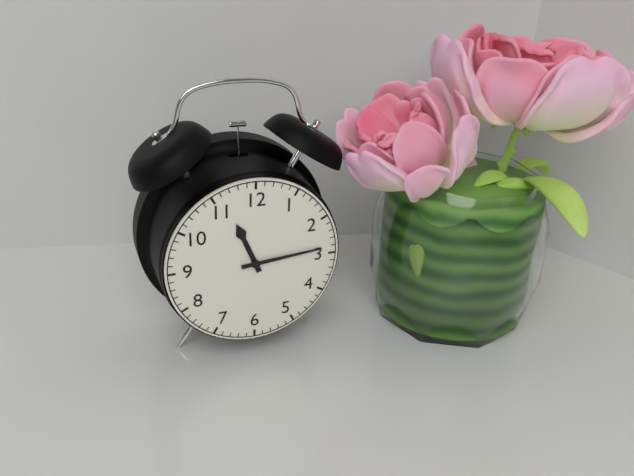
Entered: 11.14
